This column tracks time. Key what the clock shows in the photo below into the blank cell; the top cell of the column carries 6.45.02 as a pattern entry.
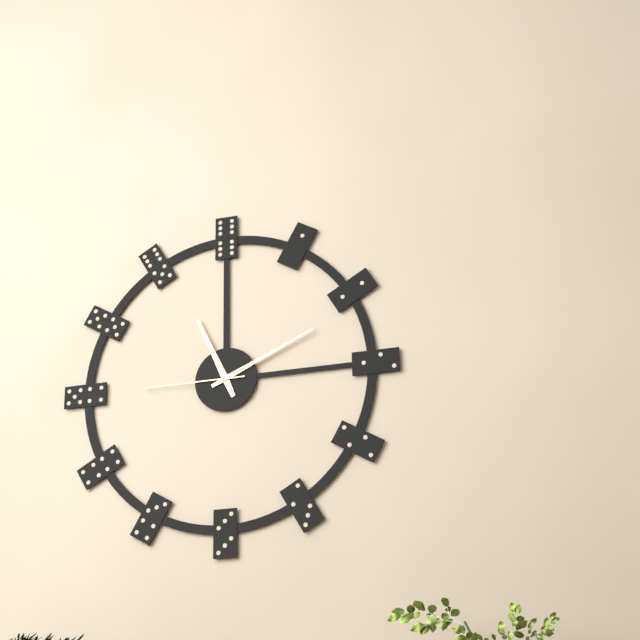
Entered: 11.11.45
